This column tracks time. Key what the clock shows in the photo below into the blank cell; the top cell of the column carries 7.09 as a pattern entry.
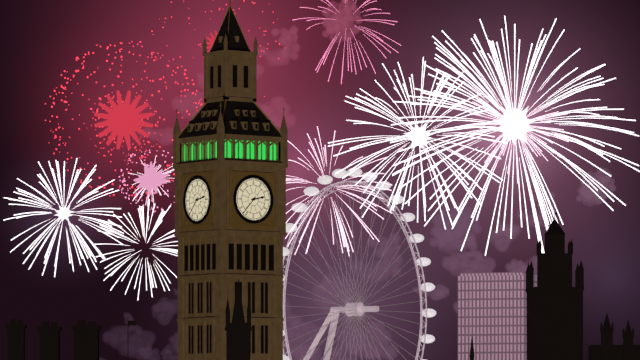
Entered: 2.37
